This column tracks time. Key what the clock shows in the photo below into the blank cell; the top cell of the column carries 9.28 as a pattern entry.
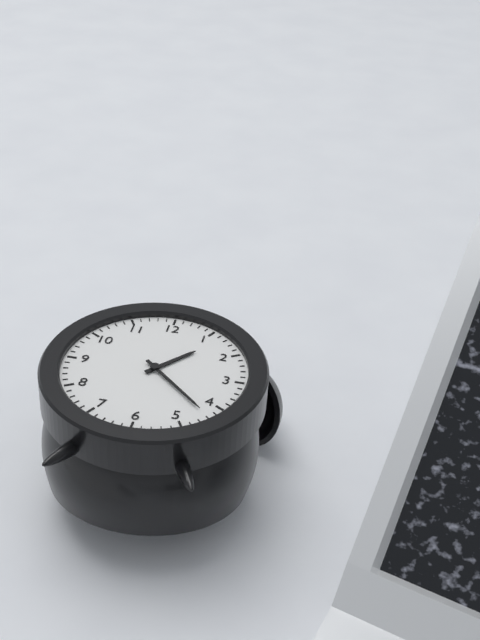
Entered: 1.22
